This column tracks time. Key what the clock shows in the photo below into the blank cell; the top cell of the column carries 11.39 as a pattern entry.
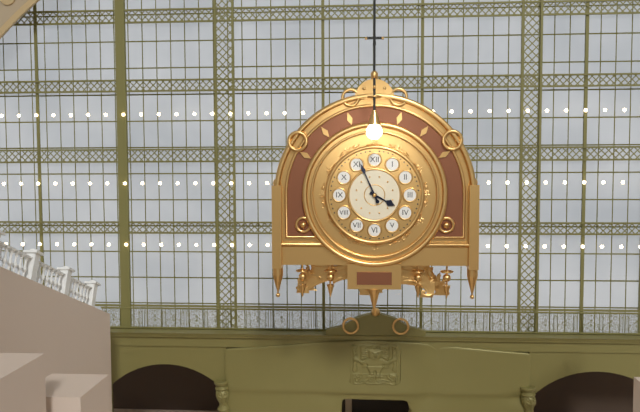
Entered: 3.56
